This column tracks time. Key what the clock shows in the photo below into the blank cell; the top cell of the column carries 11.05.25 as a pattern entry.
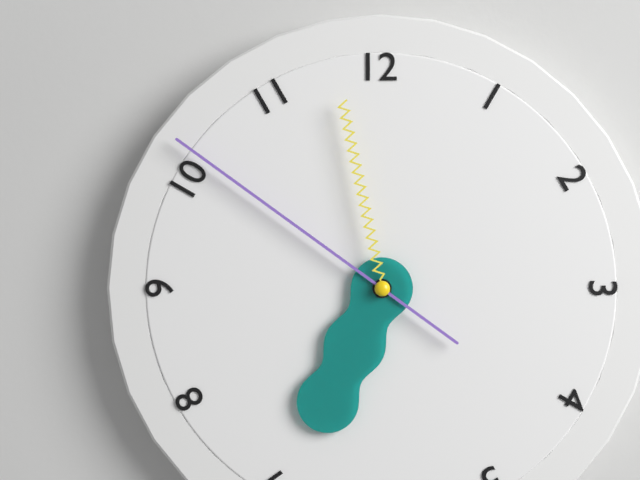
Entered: 6.51.58
